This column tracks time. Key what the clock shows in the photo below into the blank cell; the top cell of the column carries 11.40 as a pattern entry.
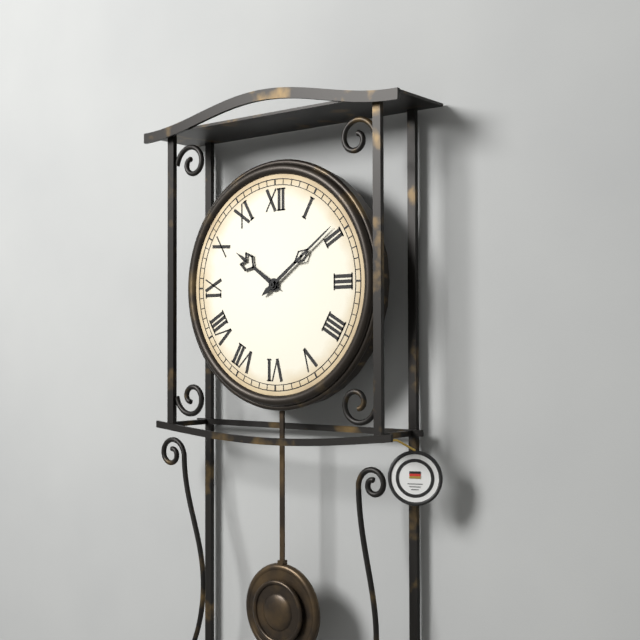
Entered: 10.09
